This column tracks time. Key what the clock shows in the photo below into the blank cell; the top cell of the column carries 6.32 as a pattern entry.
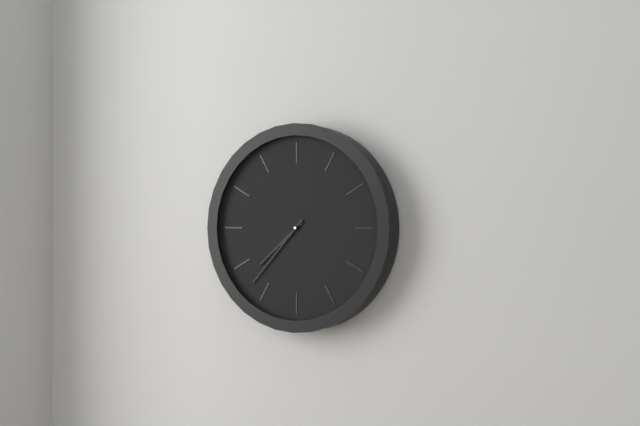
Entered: 7.37
